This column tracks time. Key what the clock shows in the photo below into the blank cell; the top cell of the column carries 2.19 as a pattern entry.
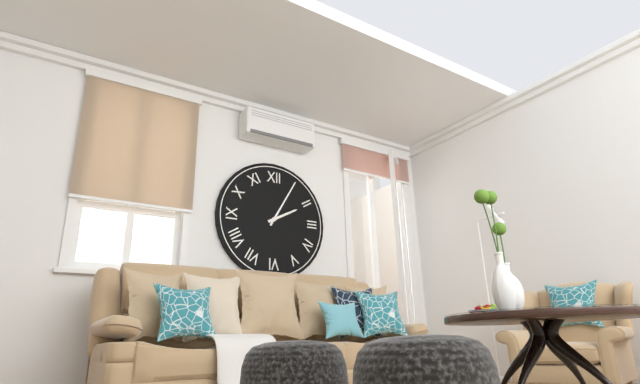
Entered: 2.05
